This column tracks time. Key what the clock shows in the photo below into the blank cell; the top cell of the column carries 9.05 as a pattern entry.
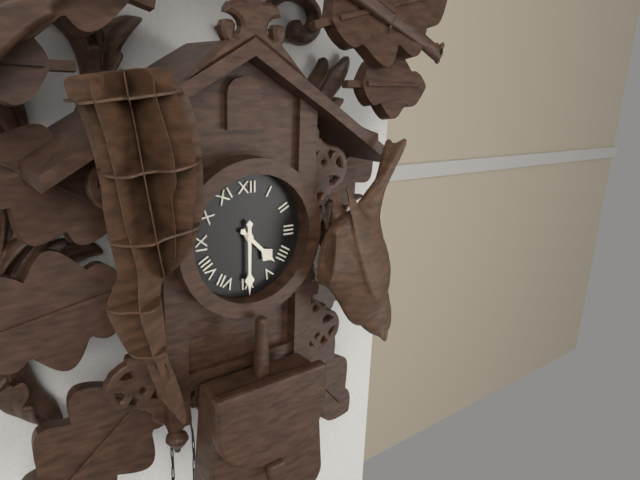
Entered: 4.30
